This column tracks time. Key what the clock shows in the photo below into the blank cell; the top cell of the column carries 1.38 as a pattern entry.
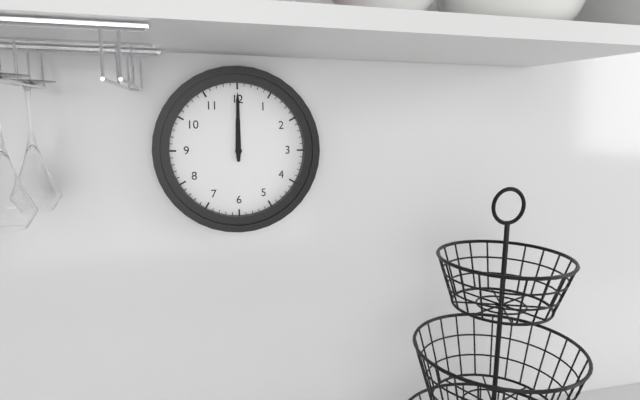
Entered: 12.00
